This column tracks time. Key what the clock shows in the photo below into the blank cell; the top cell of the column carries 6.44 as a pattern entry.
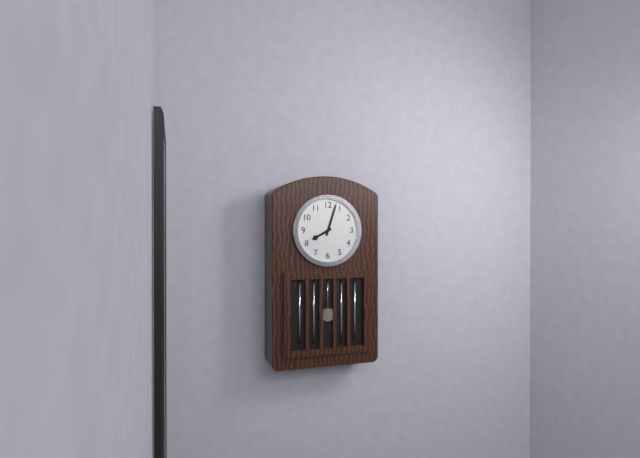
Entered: 8.03
